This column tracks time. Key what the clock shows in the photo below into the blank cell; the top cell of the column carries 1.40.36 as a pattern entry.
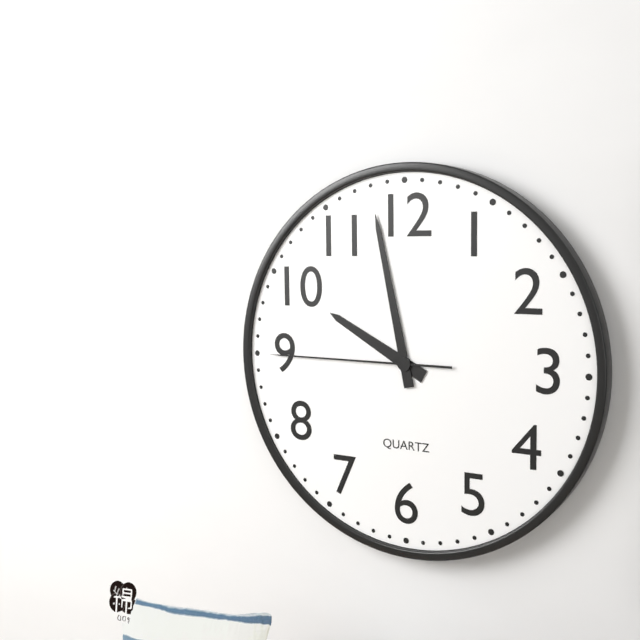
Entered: 9.58.45
